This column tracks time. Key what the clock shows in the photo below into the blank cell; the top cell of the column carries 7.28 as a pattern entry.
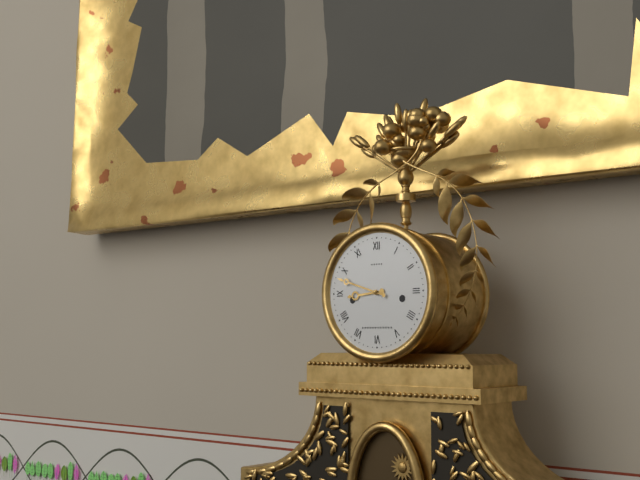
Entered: 8.48
